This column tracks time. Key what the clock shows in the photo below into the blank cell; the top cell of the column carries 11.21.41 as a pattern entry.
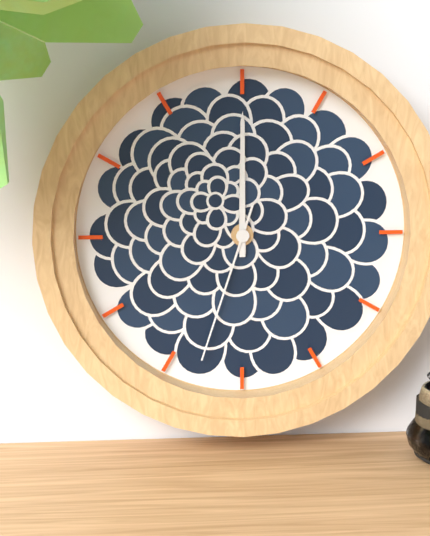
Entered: 12.00.33
